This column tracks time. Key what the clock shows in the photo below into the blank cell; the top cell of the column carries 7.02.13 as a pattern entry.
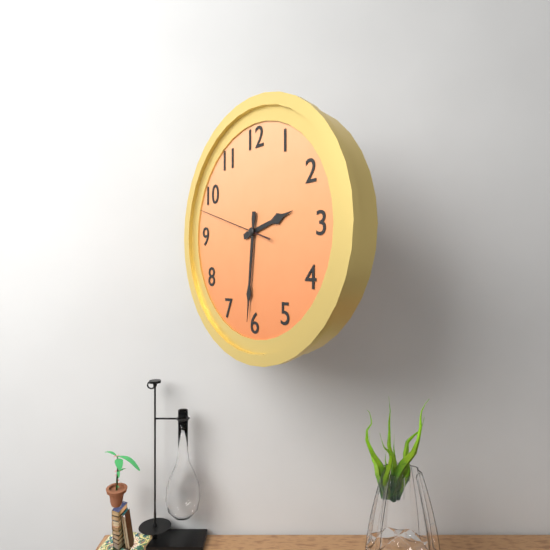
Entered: 2.31.48
